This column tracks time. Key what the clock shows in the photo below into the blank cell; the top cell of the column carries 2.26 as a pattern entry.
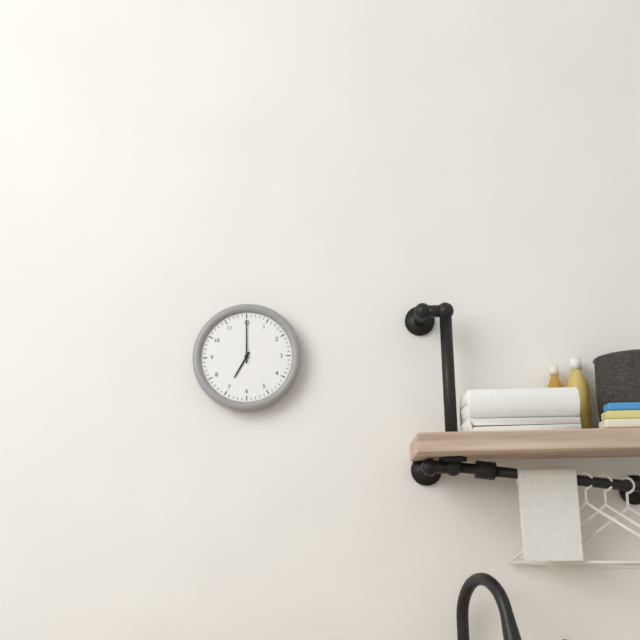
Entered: 7.00
